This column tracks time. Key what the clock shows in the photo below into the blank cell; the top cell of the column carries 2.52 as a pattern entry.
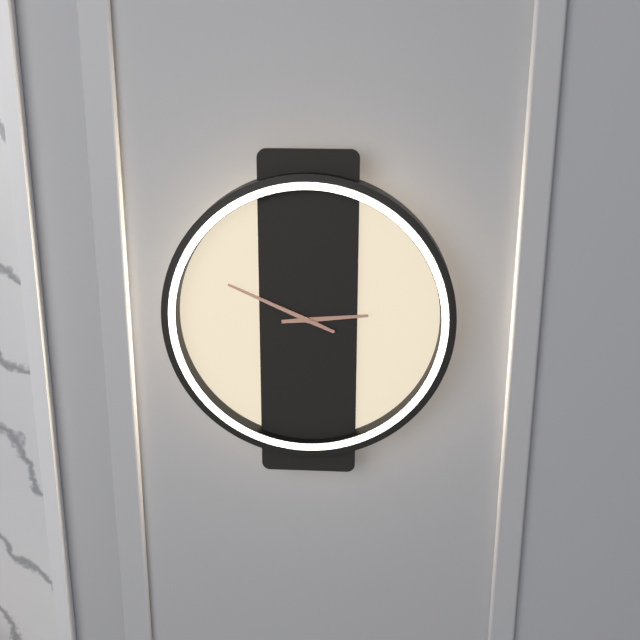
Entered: 2.49
